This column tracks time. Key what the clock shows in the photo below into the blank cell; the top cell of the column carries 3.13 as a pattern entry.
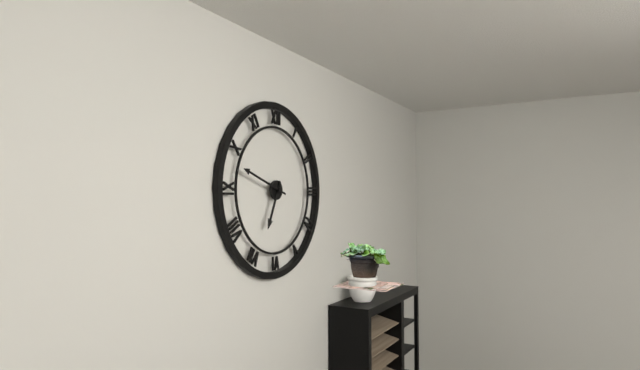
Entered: 6.48
